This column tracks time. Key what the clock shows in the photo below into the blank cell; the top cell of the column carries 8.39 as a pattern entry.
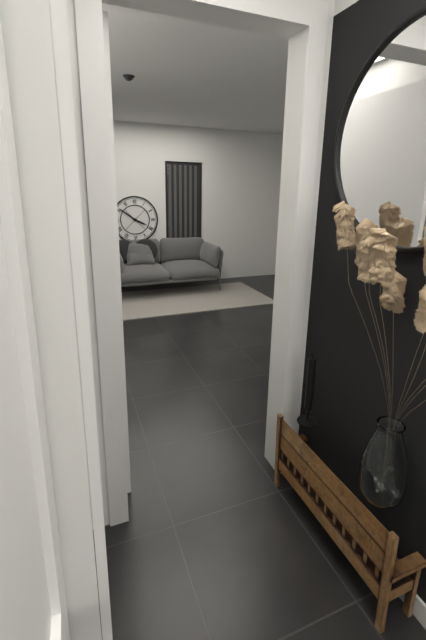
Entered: 3.51
